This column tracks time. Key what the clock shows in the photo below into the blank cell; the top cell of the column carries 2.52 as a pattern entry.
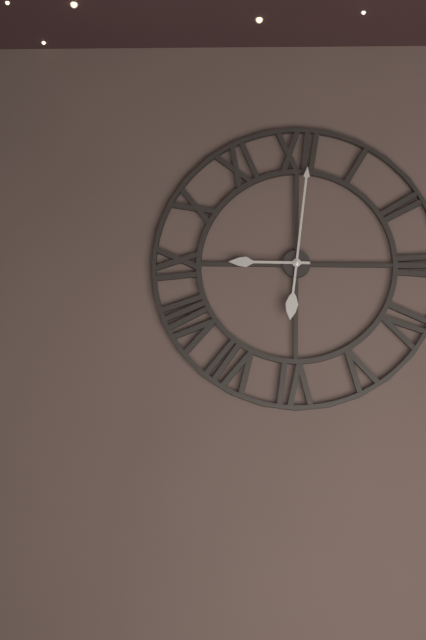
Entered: 9.01
